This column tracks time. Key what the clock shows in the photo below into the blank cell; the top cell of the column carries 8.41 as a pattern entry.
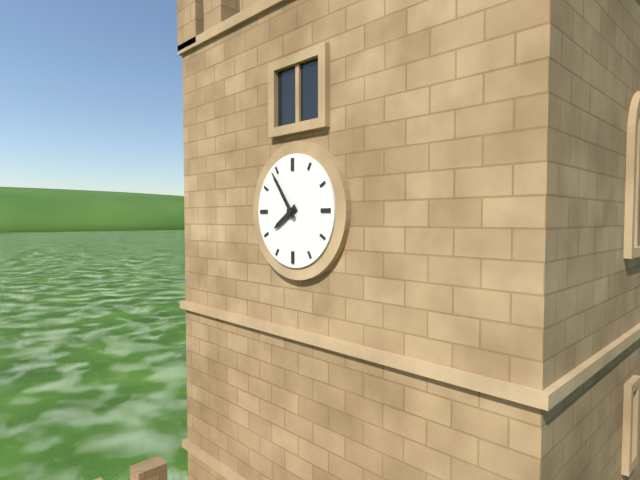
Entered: 7.54
